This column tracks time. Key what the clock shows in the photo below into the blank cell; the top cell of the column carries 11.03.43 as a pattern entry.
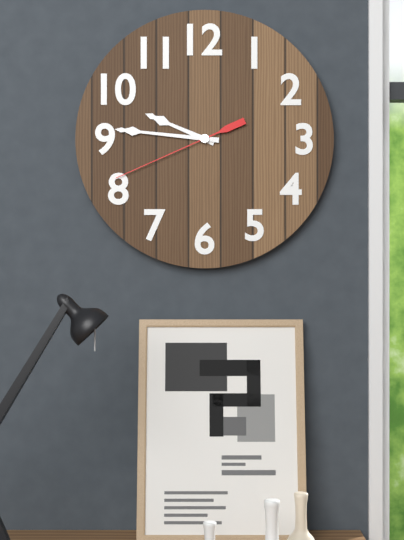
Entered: 9.46.41
